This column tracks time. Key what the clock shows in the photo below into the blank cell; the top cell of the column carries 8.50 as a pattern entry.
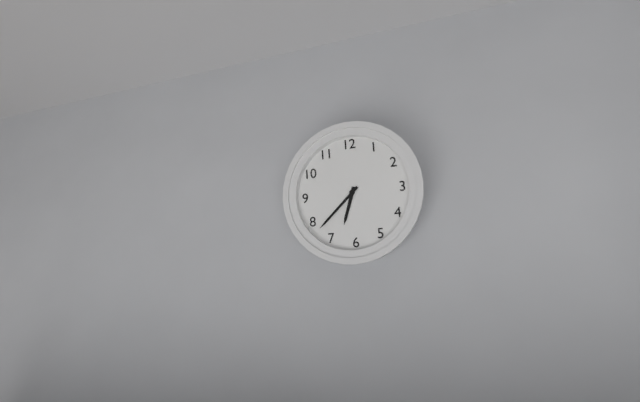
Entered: 6.38
